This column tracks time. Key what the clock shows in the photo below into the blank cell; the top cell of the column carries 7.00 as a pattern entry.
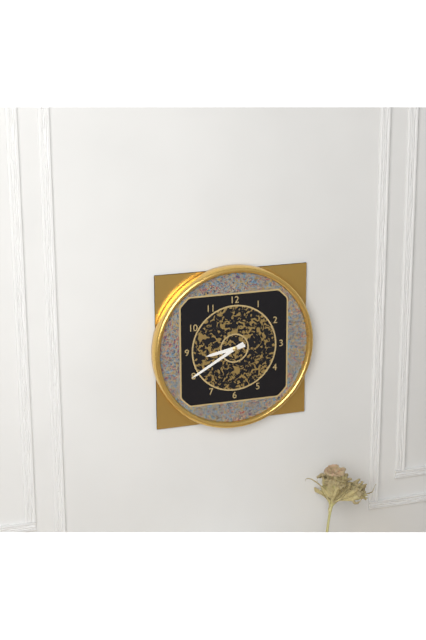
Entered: 8.40
